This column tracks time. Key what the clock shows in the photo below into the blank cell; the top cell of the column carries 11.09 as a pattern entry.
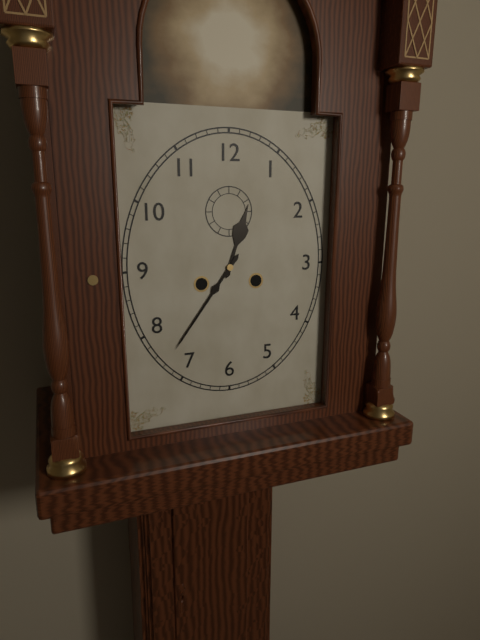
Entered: 12.36
